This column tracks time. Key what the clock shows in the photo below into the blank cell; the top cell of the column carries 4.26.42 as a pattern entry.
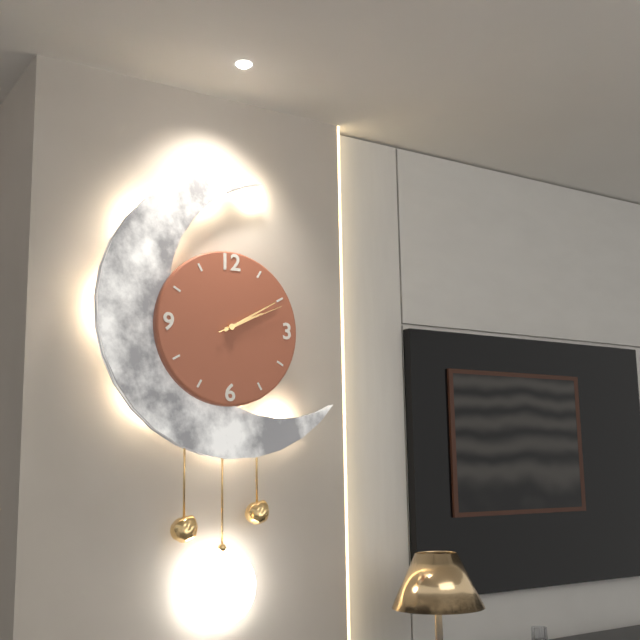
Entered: 2.10.11
